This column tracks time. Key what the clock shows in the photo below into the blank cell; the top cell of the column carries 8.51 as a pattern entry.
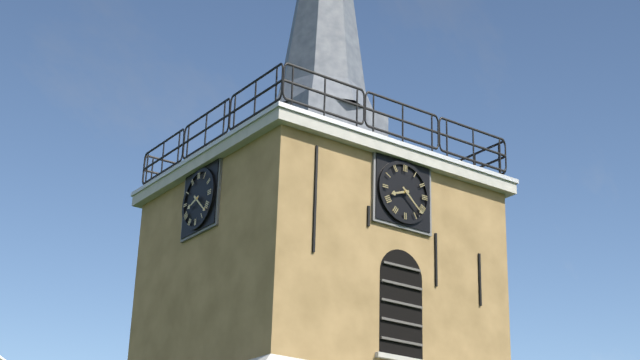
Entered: 8.22
